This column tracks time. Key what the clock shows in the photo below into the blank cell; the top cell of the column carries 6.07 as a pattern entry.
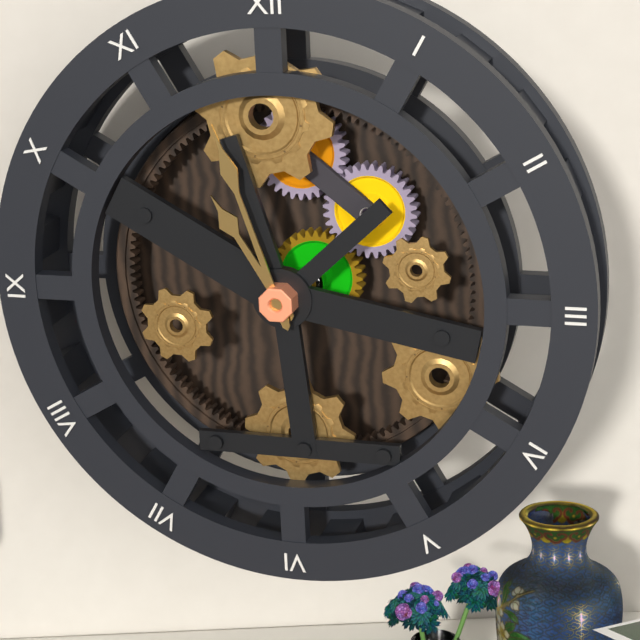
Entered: 10.57
